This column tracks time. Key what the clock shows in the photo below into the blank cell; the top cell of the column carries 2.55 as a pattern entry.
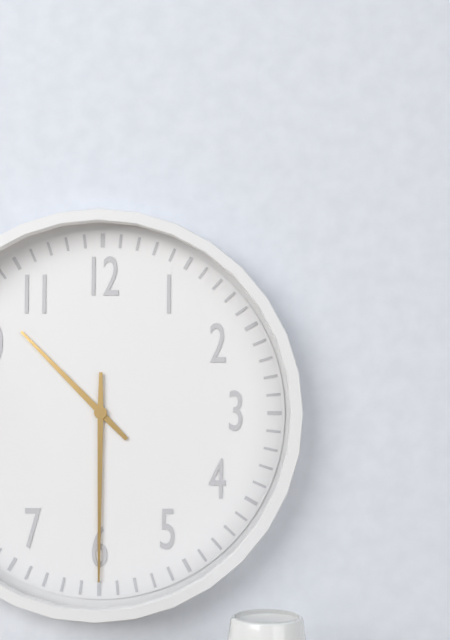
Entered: 10.30
